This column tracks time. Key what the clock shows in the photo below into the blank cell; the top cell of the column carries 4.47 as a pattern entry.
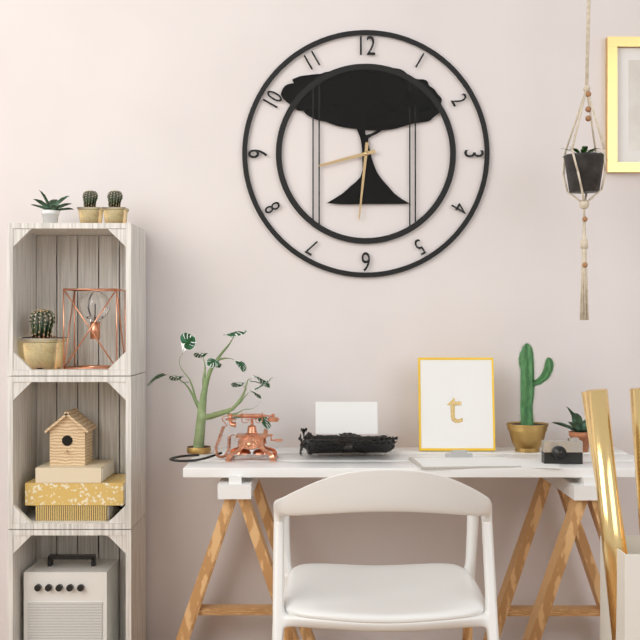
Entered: 8.31
